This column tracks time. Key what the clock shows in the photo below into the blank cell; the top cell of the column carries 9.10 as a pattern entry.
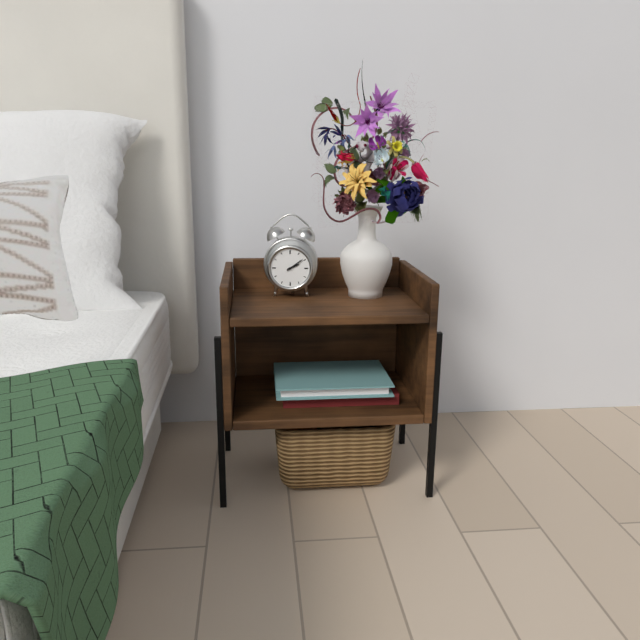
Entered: 2.09
